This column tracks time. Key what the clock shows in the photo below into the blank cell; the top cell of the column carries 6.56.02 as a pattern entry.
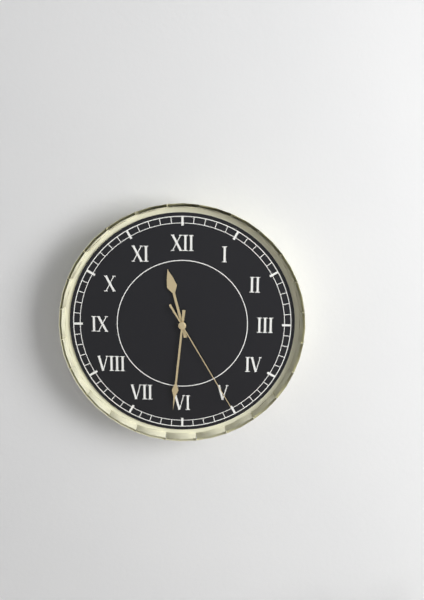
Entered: 11.31.25
